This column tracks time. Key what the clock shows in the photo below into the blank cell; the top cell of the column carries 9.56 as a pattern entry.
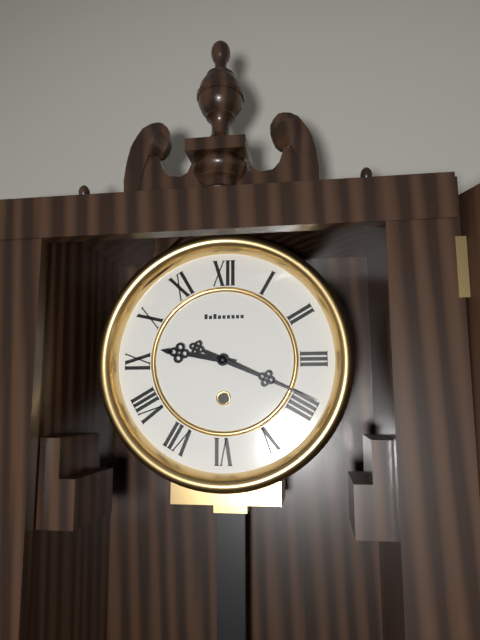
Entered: 9.19
